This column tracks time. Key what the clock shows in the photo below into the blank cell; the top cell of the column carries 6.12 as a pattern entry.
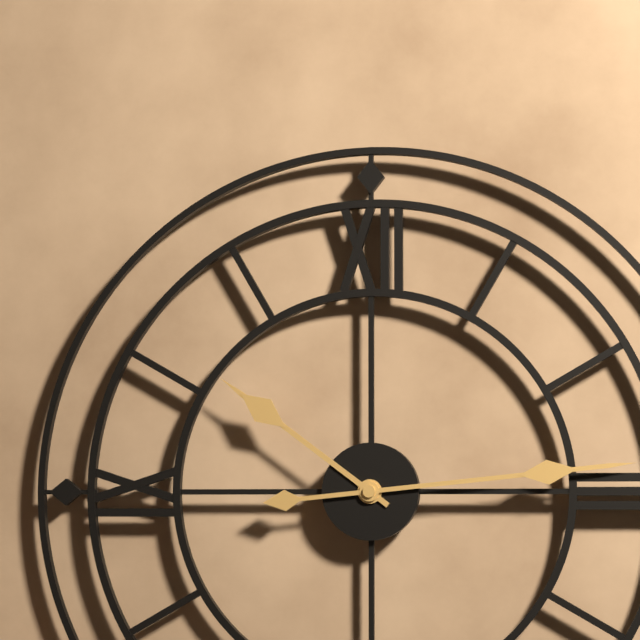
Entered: 10.14
